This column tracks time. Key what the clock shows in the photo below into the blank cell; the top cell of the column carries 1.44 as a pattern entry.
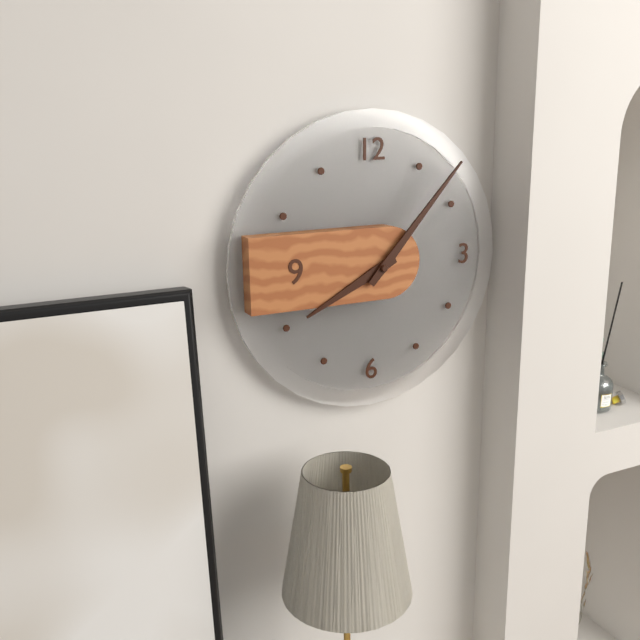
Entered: 8.07
